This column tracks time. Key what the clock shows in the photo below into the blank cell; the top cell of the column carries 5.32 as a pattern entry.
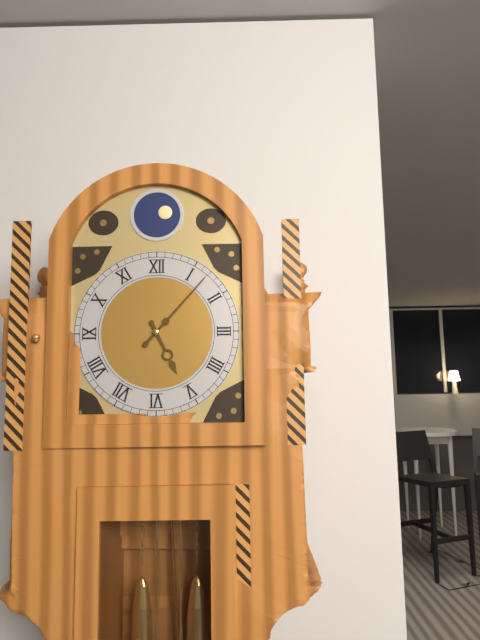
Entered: 5.07
